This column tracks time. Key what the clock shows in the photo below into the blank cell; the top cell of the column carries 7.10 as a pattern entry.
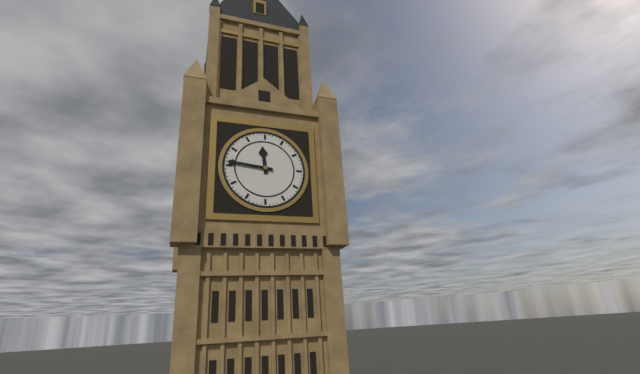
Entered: 11.46
